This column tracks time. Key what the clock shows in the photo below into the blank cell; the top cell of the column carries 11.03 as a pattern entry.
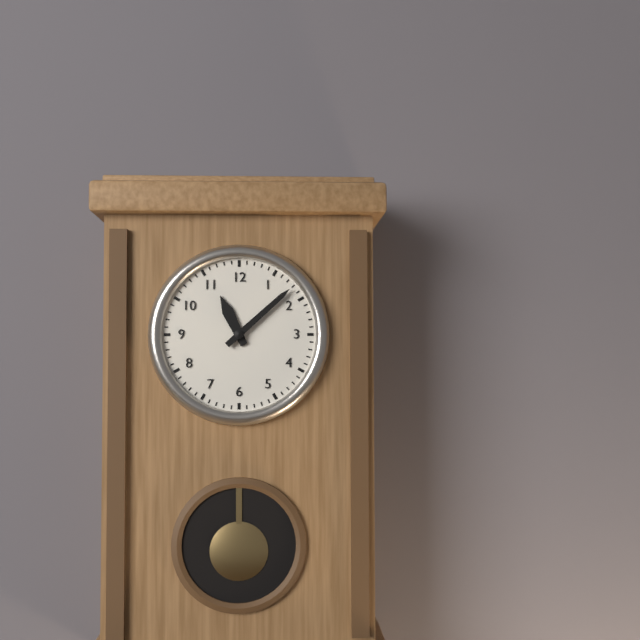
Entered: 11.08
